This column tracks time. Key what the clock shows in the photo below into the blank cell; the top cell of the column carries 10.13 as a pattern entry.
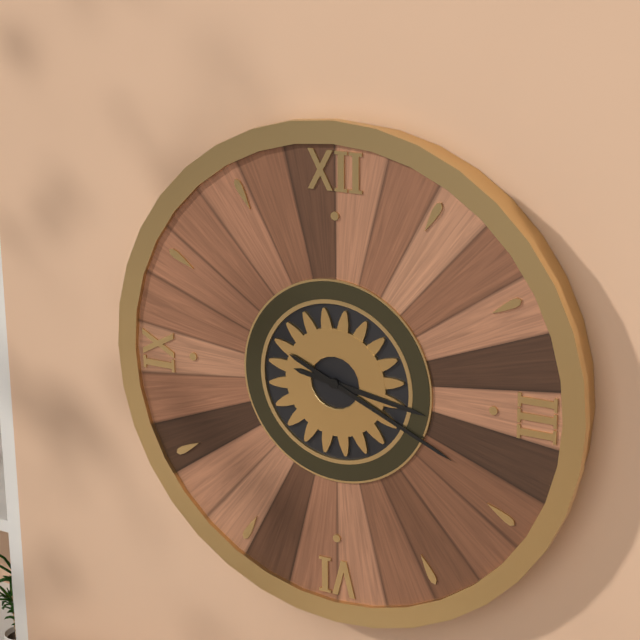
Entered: 3.19
